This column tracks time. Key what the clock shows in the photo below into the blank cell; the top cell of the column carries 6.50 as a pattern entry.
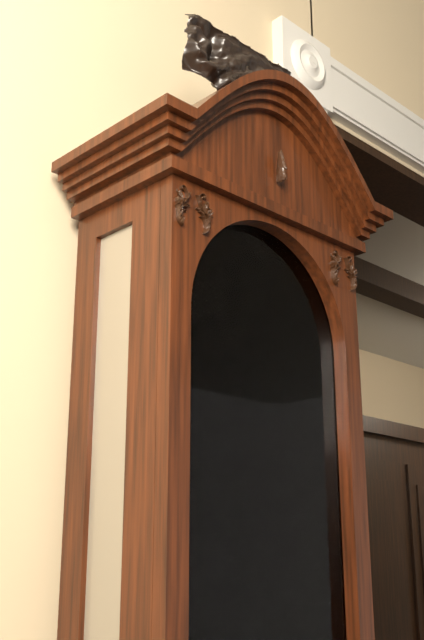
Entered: 11.48
